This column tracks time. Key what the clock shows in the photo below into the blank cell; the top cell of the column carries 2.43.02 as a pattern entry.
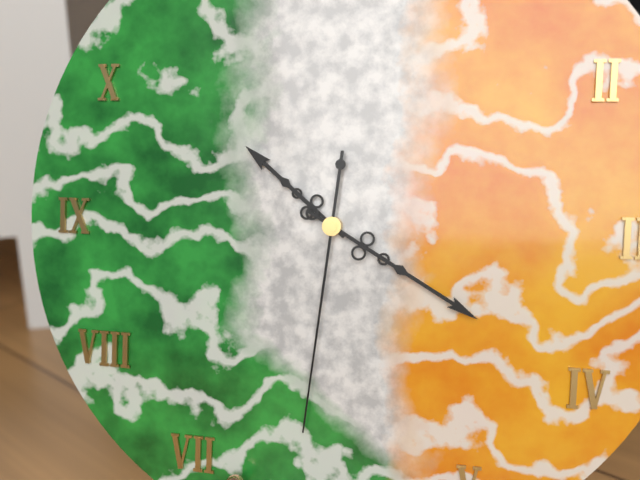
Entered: 10.20.31
